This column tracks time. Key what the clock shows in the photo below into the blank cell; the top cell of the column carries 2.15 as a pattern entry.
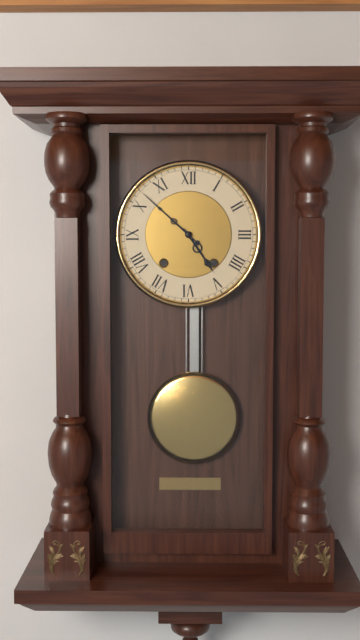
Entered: 4.52
